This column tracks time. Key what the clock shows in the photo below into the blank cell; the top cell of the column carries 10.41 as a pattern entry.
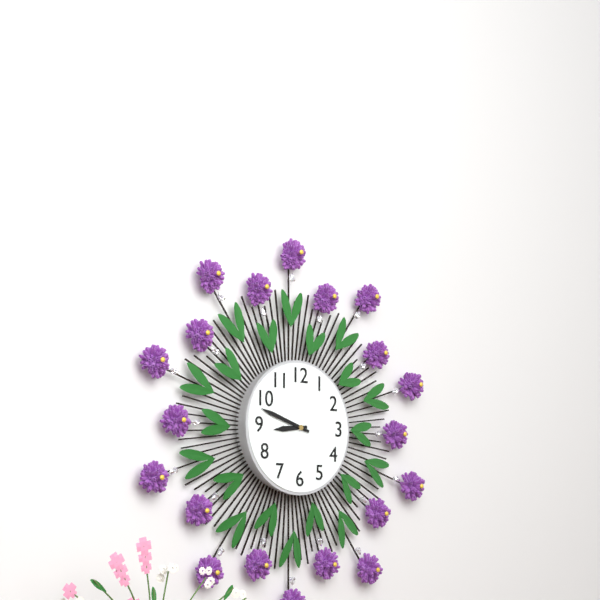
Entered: 8.48
